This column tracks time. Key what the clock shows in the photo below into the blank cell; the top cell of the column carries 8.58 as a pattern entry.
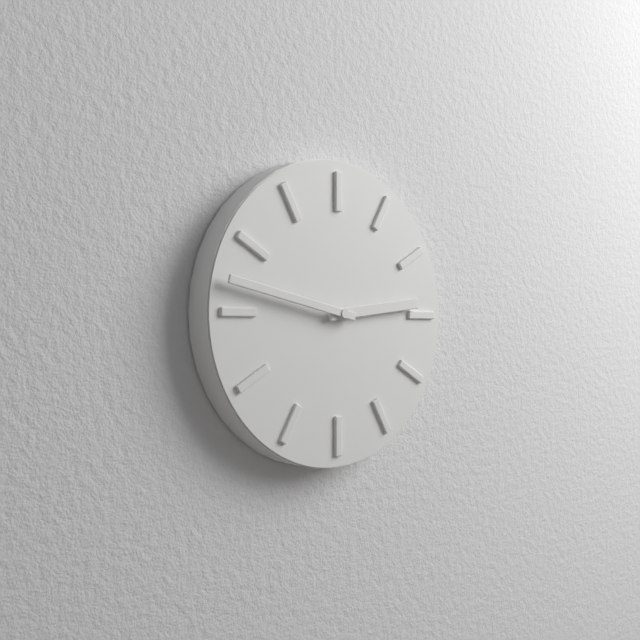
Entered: 2.47
